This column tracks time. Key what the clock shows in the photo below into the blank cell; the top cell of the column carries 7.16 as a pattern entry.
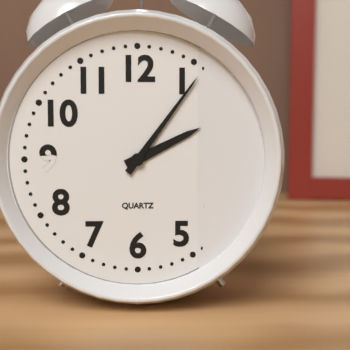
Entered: 2.06
